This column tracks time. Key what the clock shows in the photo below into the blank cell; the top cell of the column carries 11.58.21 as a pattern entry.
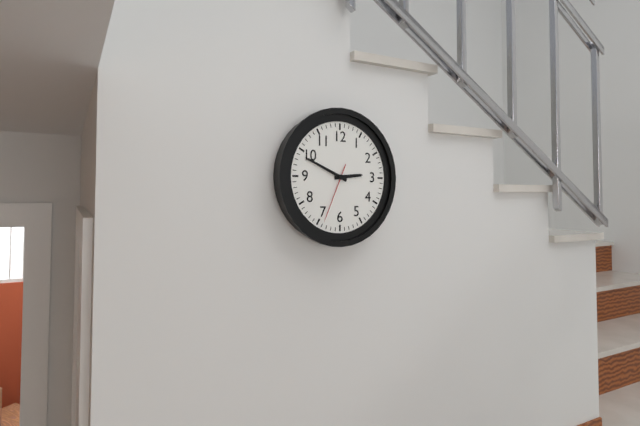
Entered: 2.49.34
